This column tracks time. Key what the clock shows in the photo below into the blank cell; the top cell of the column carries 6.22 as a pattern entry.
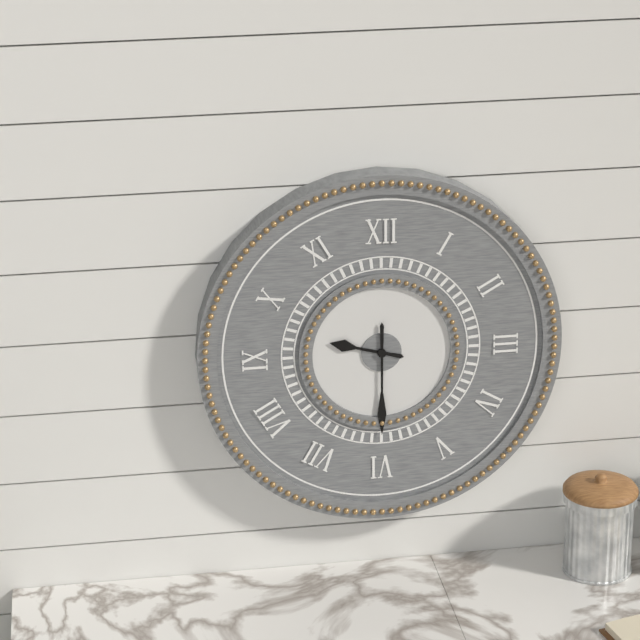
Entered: 9.30
